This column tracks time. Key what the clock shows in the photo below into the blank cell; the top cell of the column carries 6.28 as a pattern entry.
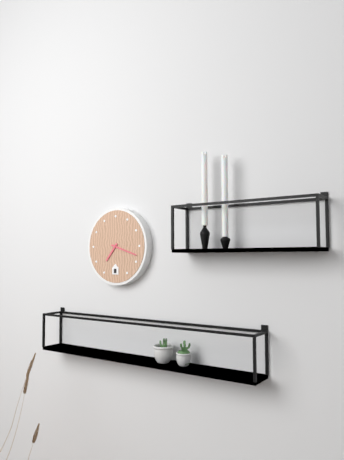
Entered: 7.18
